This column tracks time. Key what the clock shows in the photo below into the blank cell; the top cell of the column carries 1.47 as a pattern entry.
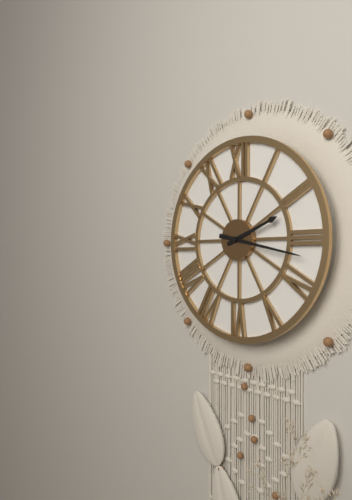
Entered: 2.17
